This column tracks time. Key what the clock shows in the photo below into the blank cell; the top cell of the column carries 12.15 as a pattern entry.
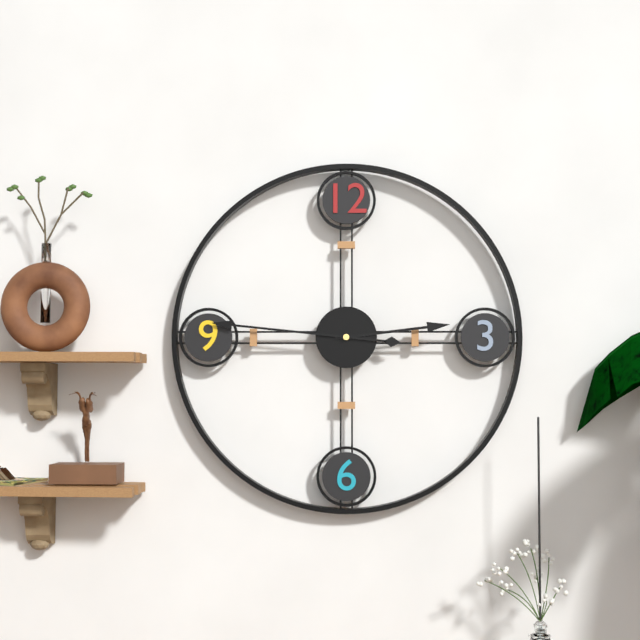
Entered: 2.46
